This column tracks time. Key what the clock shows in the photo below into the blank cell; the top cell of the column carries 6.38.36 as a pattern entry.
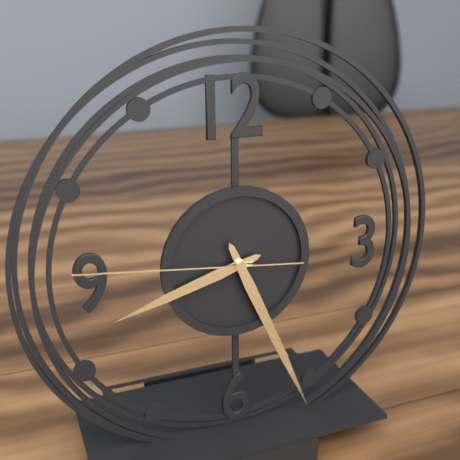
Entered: 8.26.46
